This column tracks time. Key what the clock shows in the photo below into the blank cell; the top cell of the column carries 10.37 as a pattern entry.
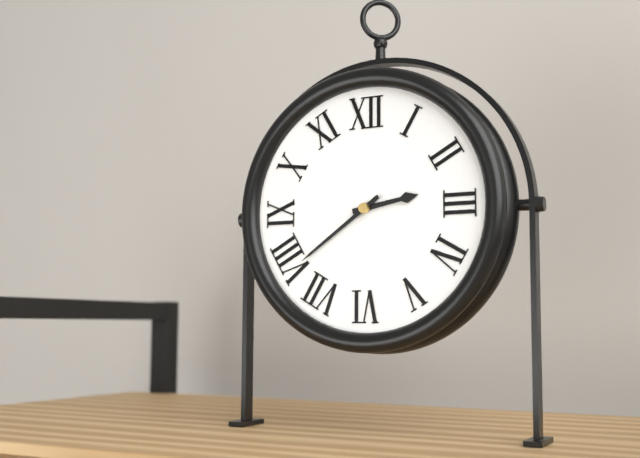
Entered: 2.39
